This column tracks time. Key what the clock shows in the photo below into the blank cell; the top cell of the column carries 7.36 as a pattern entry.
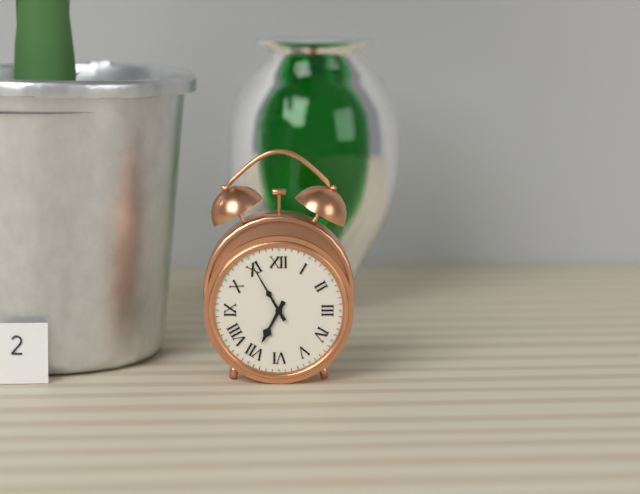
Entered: 6.55
